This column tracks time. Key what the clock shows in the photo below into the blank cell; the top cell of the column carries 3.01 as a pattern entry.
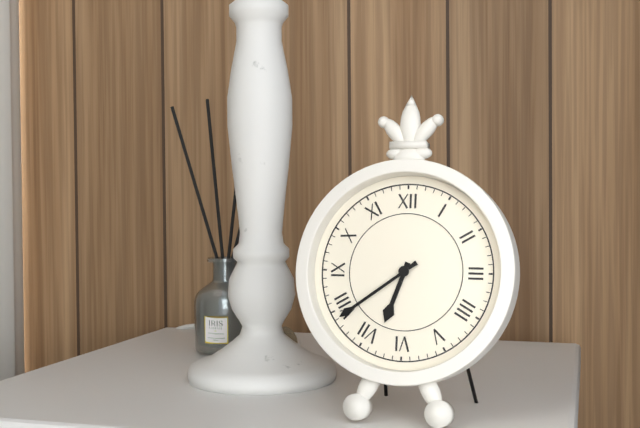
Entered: 6.39
